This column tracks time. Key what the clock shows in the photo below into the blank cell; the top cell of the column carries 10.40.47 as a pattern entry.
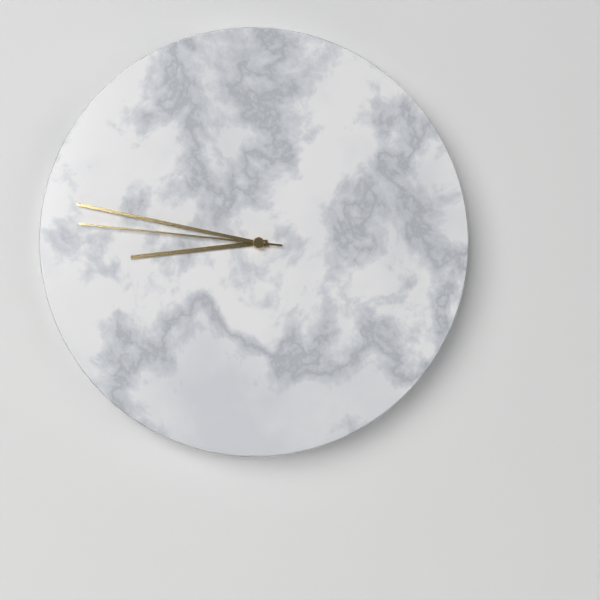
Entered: 8.47.46
